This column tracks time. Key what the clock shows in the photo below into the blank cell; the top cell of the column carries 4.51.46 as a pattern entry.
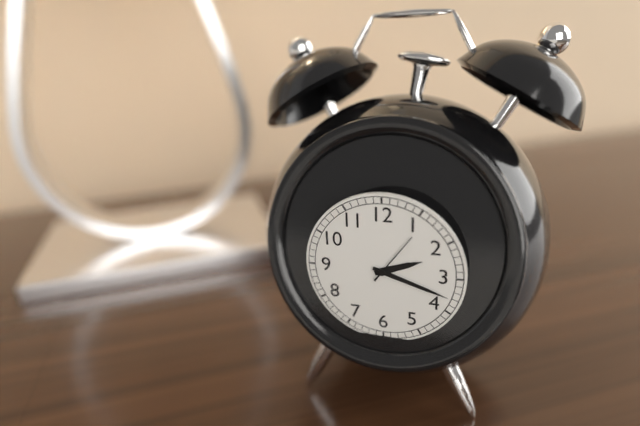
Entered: 2.18.06
